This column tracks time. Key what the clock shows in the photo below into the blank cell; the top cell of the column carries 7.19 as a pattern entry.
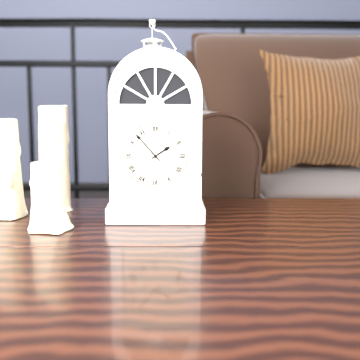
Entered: 1.53
